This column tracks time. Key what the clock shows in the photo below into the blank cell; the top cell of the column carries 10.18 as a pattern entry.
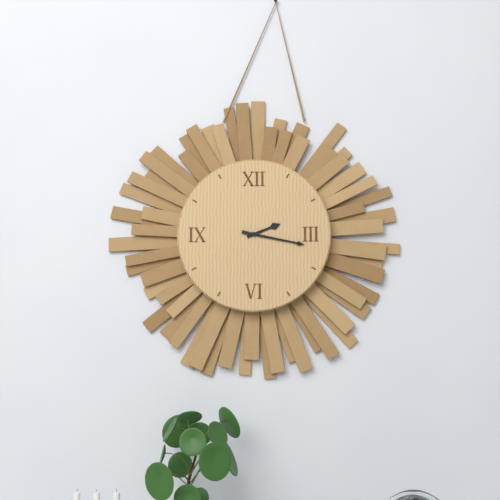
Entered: 2.17
